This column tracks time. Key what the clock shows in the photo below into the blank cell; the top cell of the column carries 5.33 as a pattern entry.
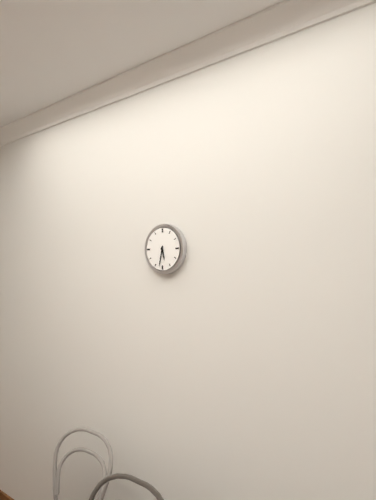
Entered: 5.32
